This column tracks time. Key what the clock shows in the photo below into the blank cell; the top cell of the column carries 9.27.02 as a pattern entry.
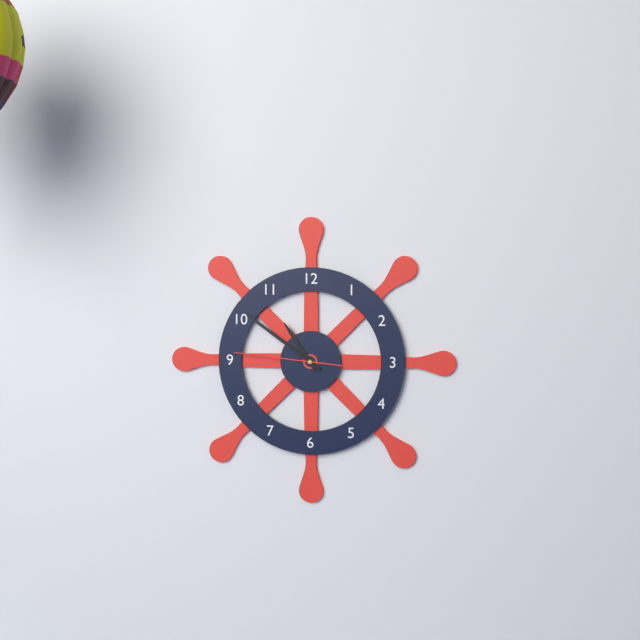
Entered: 10.51.46
